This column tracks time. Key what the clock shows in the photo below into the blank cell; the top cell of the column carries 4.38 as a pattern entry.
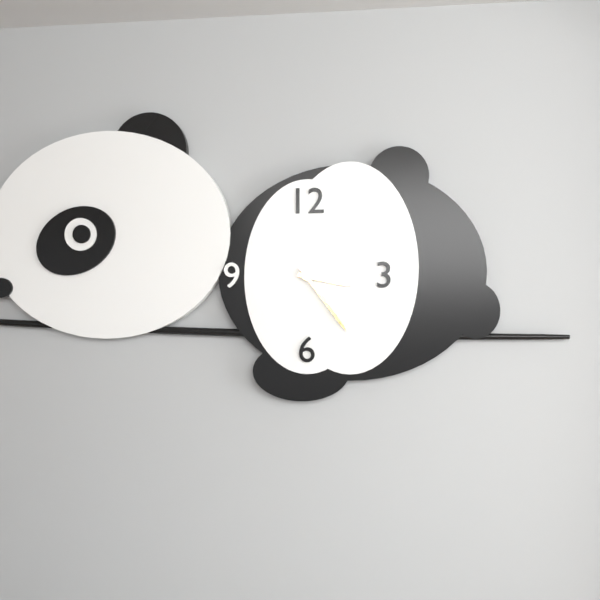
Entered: 3.24
